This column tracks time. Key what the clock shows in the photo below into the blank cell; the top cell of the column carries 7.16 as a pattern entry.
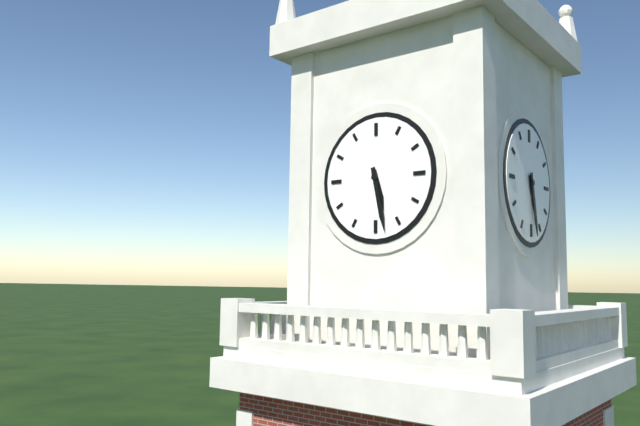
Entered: 5.28
